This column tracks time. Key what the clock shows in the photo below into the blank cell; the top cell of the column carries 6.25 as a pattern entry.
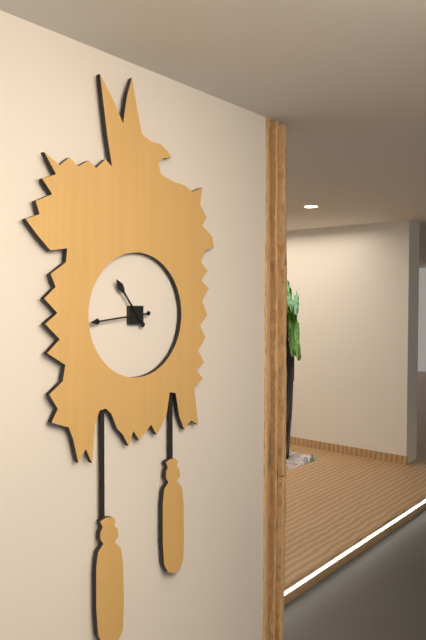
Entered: 10.44
